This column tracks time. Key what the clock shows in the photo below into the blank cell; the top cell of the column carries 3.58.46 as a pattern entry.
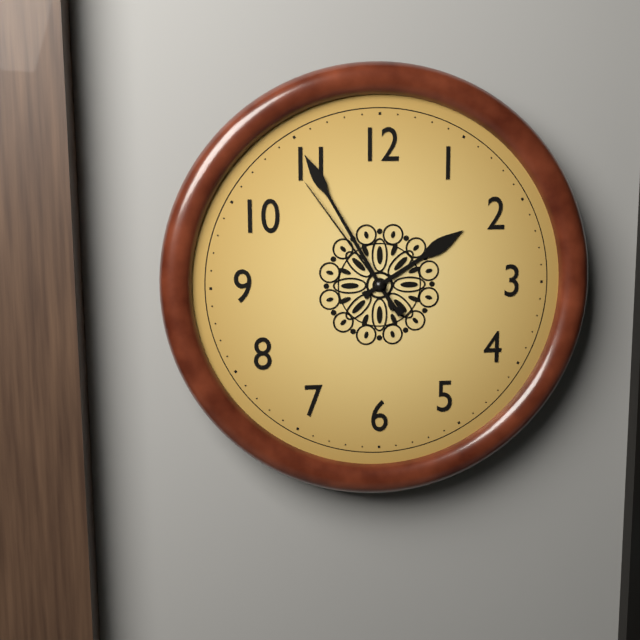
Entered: 1.55.54
